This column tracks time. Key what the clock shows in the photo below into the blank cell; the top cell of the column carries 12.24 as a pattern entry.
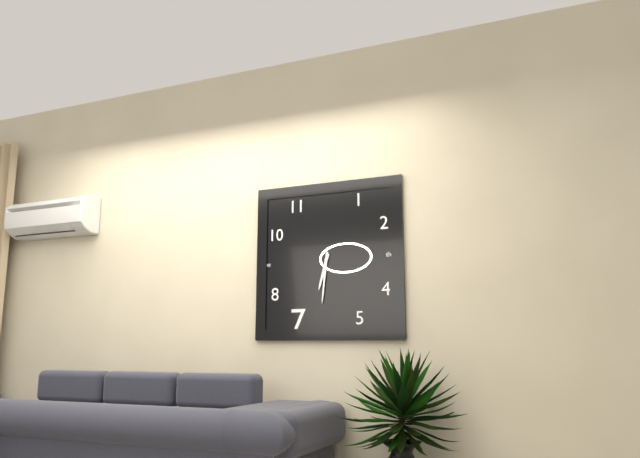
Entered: 6.31
